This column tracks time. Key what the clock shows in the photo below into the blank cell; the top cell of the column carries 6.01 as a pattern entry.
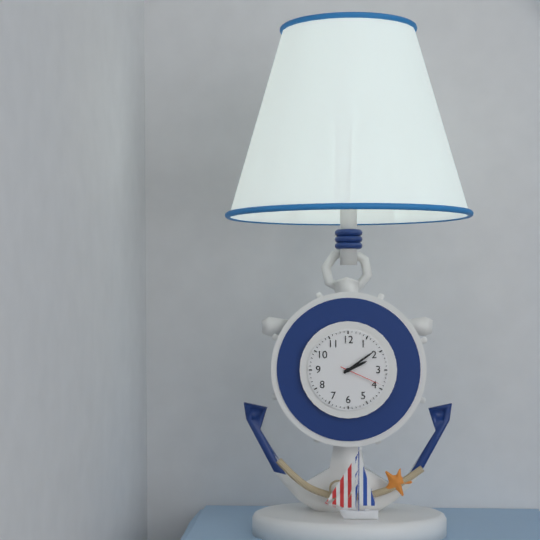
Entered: 2.09
